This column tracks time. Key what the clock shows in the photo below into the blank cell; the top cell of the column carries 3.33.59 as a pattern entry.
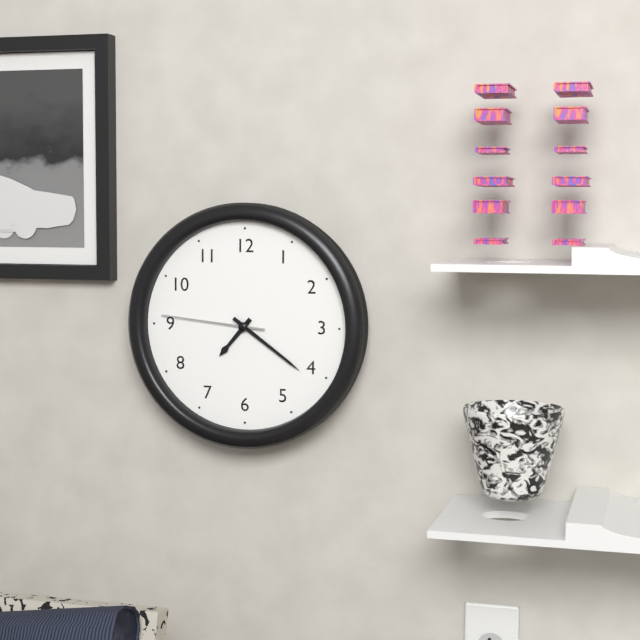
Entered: 7.21.46
